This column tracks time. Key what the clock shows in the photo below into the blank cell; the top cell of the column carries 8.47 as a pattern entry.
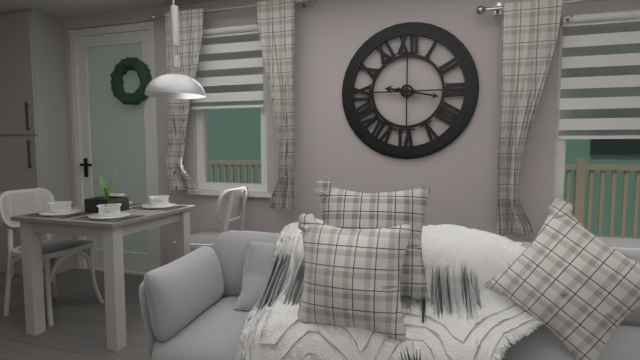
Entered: 9.17
